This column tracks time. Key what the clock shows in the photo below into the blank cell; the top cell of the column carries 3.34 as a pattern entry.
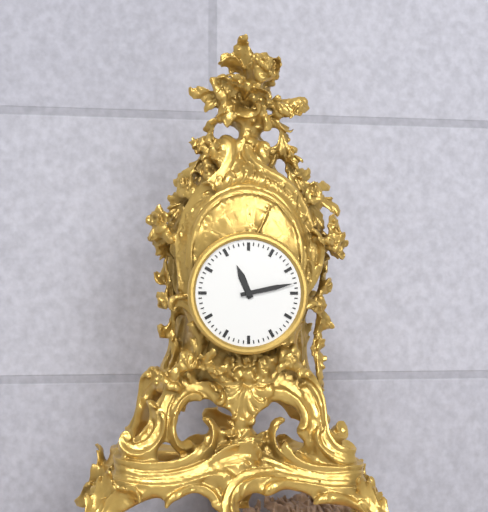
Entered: 11.13
